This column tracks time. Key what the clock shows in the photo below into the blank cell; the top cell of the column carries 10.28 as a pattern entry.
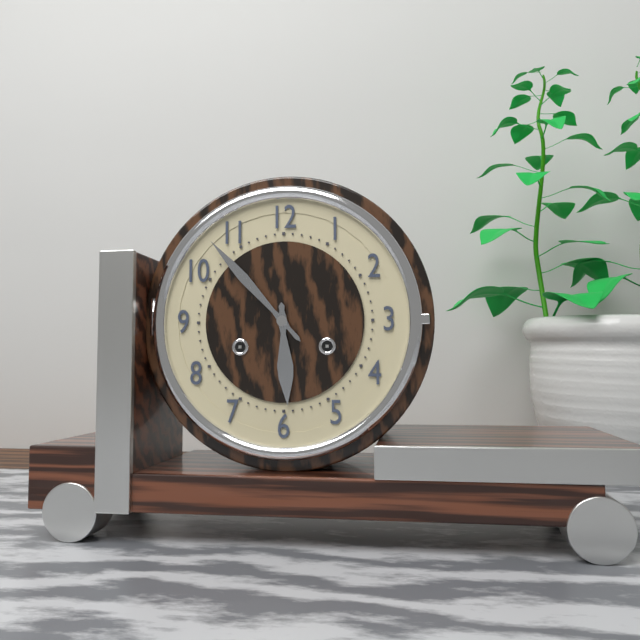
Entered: 5.53
